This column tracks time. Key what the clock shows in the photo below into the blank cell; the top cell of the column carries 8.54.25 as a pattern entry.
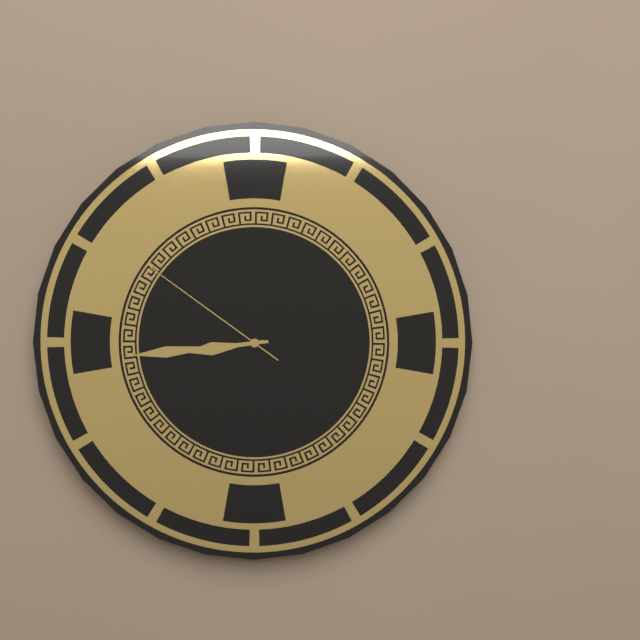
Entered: 8.44.51
